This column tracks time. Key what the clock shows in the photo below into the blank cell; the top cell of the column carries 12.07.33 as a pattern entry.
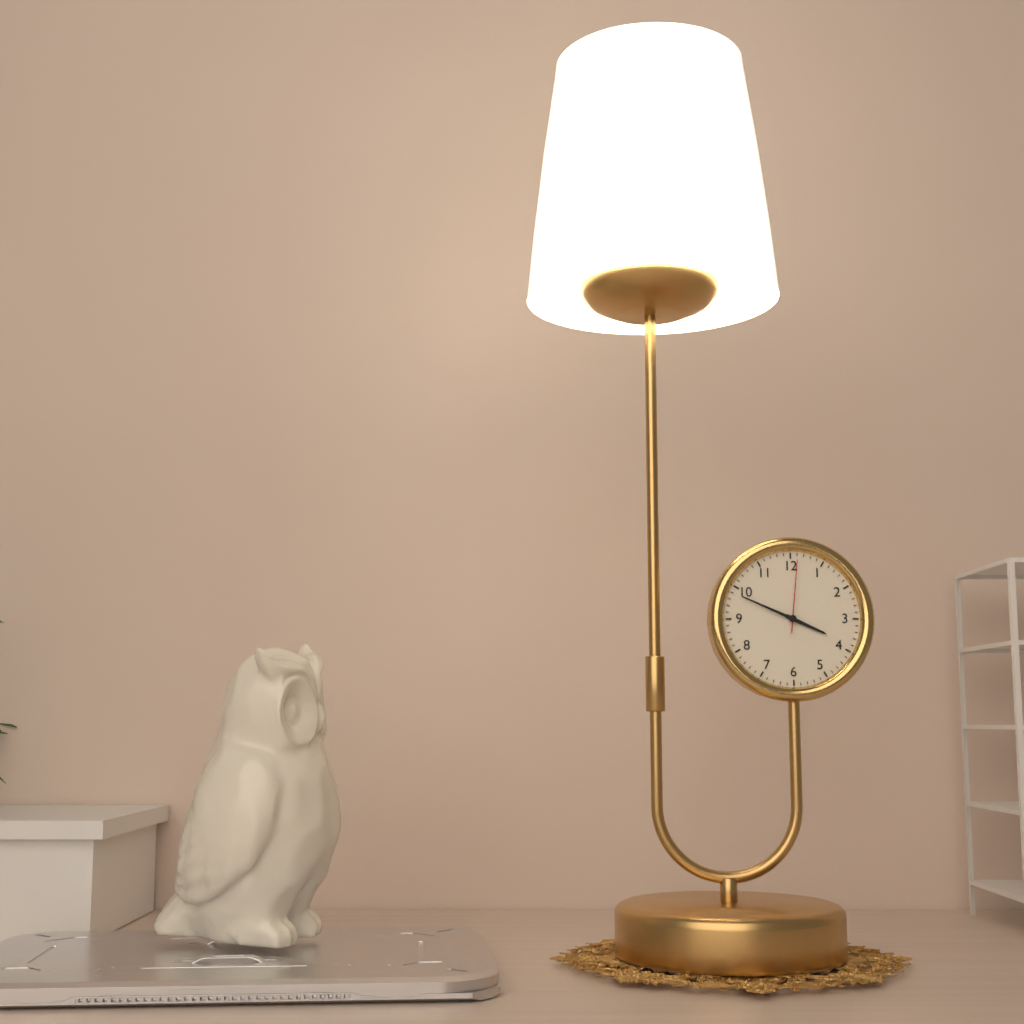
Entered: 3.49.01
